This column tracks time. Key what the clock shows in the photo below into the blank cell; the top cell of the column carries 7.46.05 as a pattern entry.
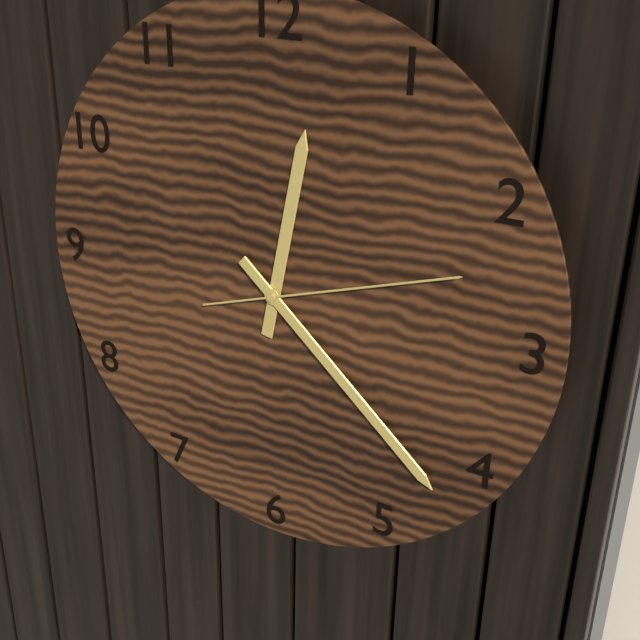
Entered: 12.22.12
